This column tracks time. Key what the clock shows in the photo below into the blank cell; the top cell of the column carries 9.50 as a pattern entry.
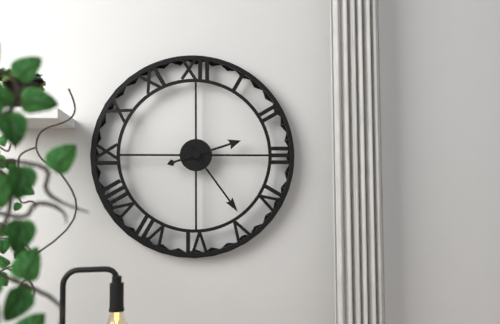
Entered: 2.24
